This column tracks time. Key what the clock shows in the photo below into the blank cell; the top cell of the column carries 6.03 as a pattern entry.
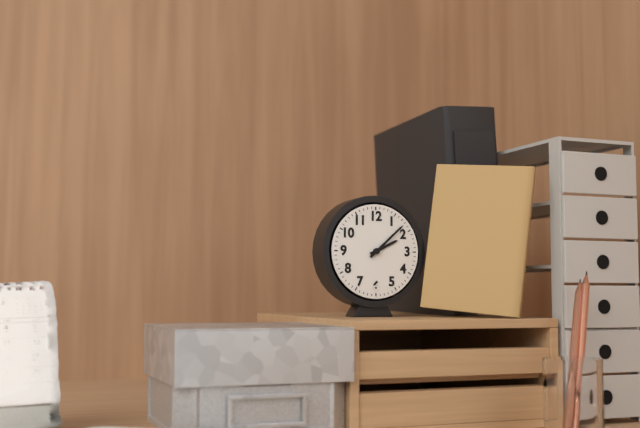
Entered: 2.08
